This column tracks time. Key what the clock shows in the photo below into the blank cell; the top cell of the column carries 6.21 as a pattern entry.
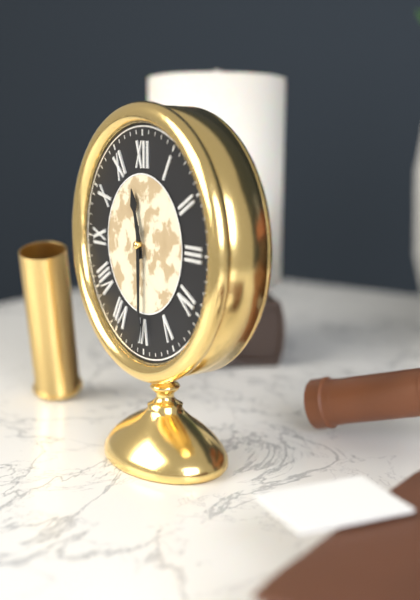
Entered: 11.30
